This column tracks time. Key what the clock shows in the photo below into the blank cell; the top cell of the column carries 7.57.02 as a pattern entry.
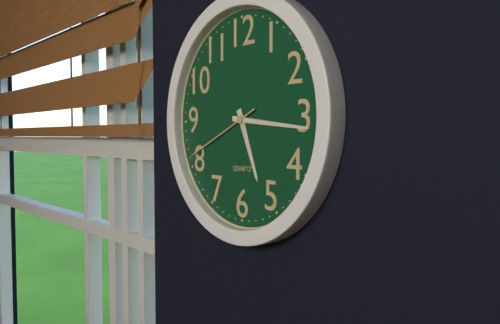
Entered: 5.16.41
